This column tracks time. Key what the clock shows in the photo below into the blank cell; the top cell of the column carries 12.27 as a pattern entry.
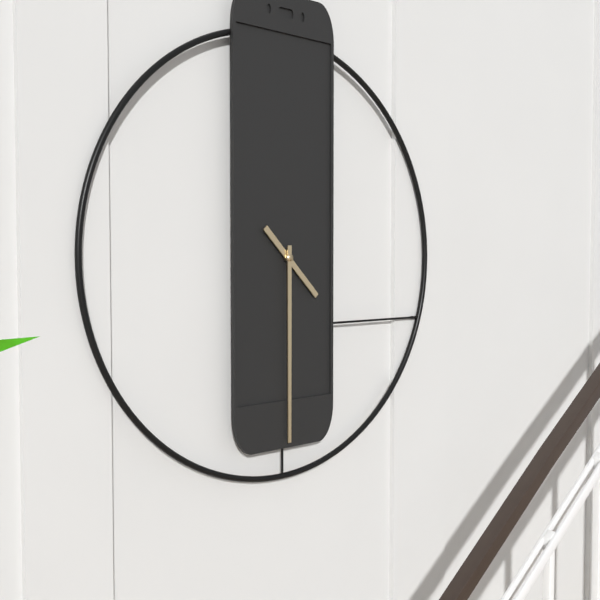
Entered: 4.30
